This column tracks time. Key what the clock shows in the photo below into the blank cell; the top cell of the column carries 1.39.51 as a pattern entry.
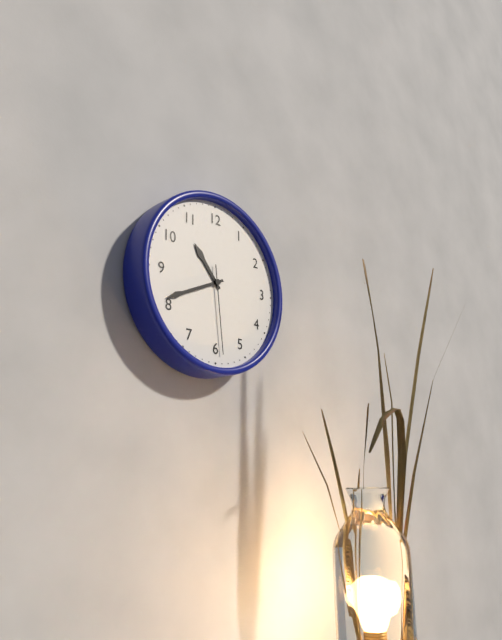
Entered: 10.41.29
